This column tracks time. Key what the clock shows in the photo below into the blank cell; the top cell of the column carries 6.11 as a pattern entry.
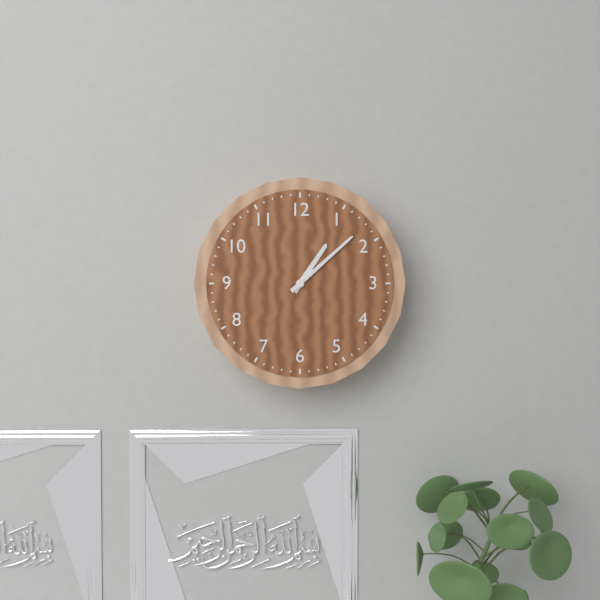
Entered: 1.08
